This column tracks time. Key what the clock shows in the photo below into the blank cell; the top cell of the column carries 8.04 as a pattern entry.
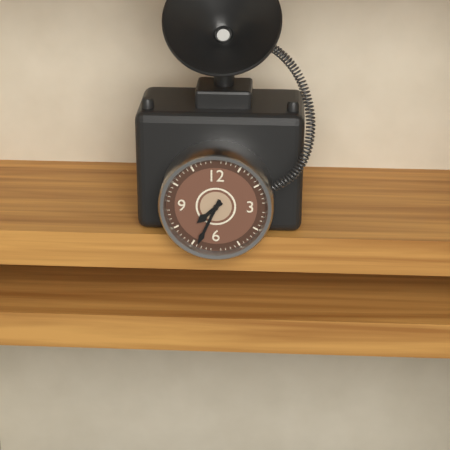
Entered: 7.34
